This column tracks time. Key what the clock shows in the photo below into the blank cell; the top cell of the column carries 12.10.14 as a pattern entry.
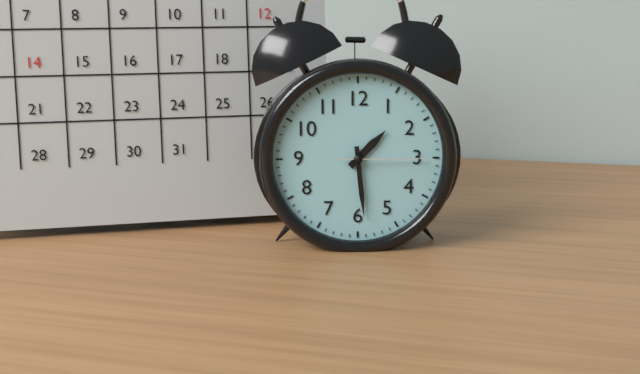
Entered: 1.29.15
